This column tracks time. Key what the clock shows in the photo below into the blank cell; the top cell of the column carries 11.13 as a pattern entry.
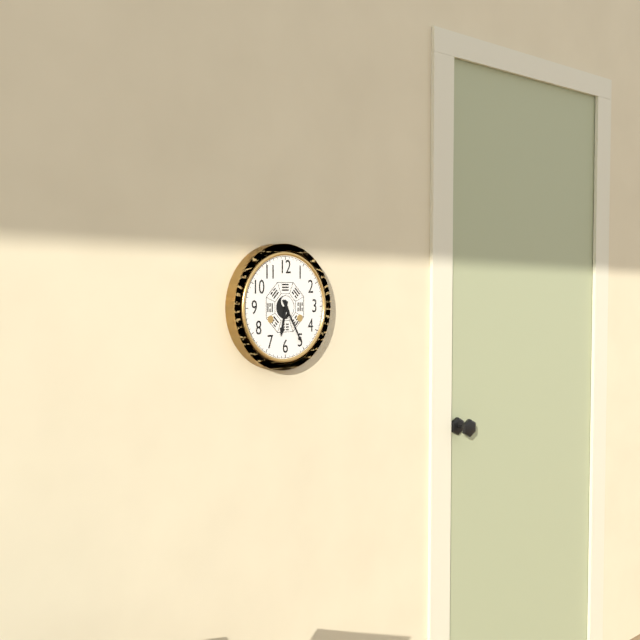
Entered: 6.25
